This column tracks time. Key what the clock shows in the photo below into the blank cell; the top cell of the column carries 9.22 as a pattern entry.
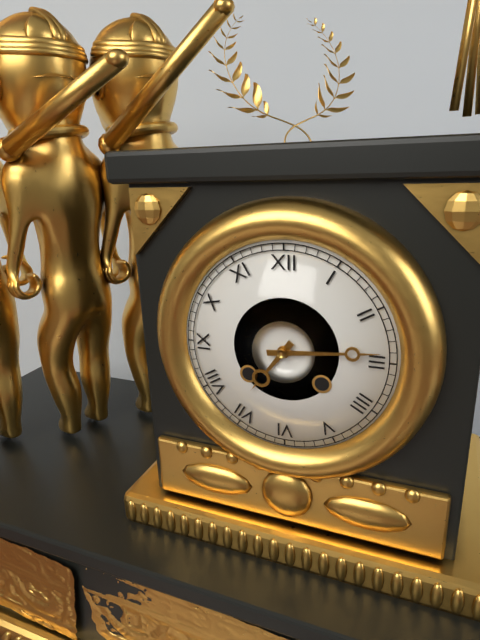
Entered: 7.14
